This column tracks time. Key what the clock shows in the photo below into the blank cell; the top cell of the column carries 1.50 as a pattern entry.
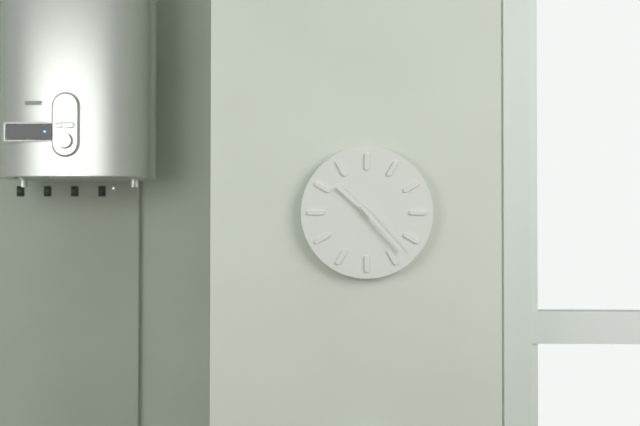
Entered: 10.23
